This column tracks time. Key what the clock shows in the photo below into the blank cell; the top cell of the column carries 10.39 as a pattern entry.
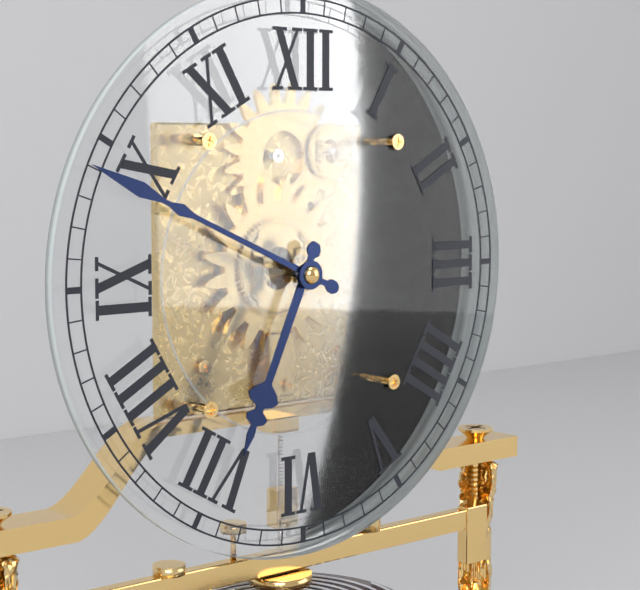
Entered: 6.49
